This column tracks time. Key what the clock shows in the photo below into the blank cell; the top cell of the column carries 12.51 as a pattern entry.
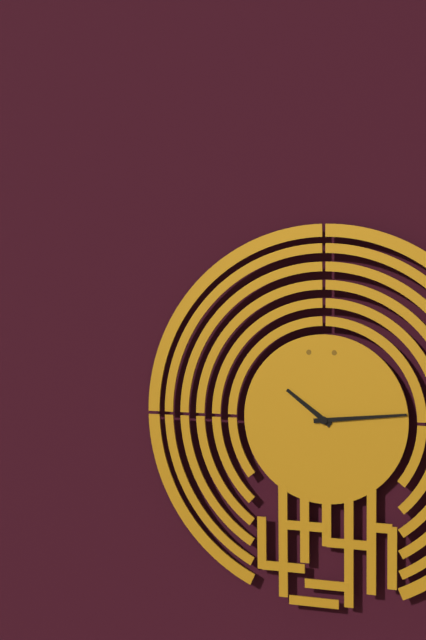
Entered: 10.14
